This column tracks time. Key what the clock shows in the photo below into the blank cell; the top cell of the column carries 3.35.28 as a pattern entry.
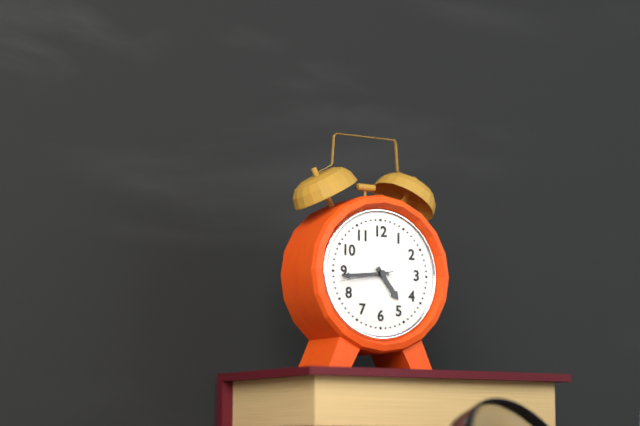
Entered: 4.44.43
